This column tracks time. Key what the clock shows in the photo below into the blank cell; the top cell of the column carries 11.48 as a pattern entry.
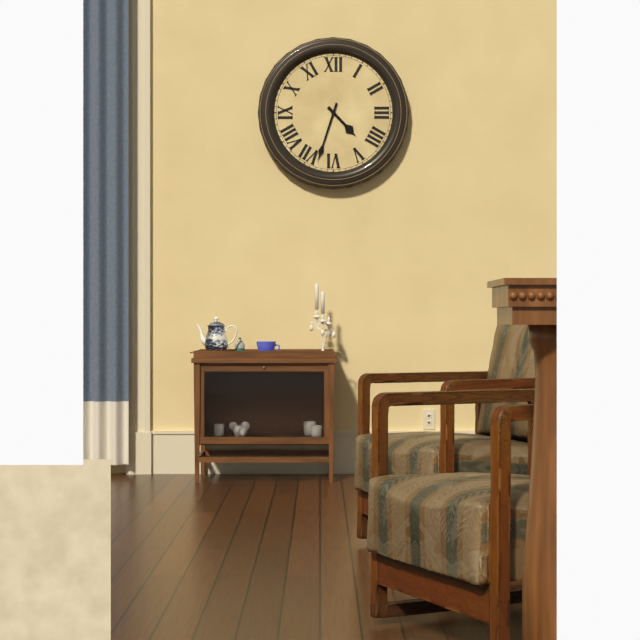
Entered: 4.33
